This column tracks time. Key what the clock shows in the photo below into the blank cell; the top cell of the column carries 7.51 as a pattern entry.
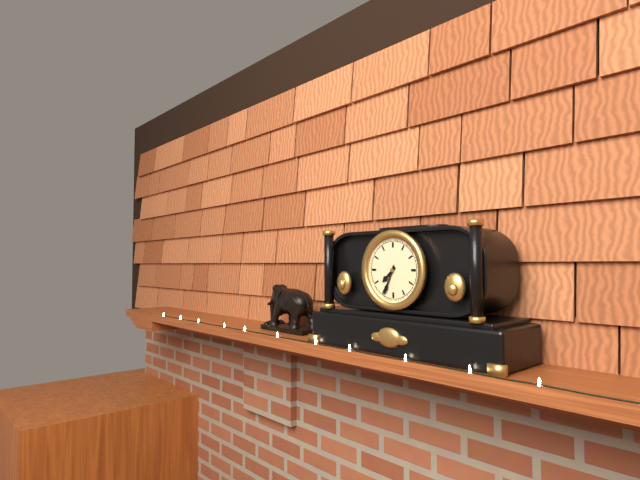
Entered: 7.34
